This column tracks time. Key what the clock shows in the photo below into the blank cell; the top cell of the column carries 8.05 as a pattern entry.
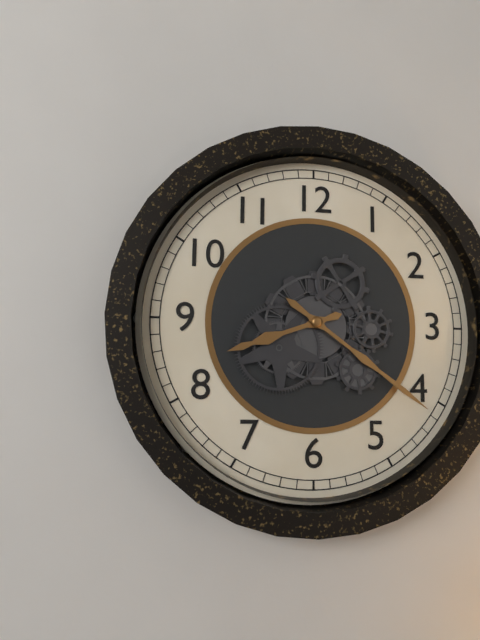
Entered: 8.21
